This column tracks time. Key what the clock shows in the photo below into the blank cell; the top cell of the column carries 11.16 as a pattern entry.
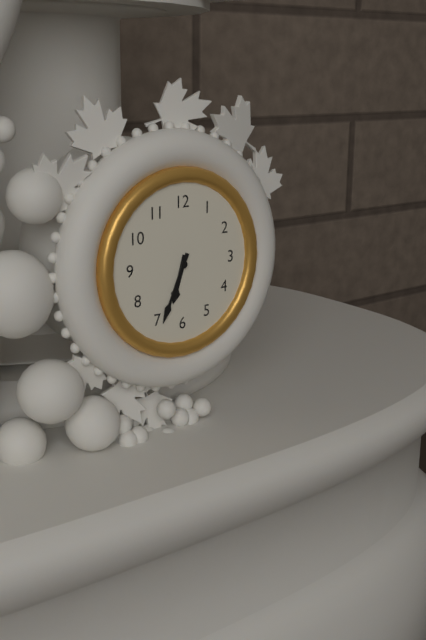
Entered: 6.34
